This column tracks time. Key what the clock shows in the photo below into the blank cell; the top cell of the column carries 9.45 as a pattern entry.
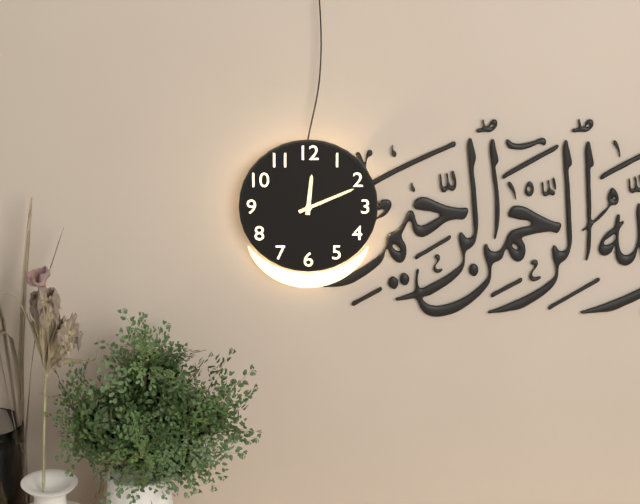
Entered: 12.11
